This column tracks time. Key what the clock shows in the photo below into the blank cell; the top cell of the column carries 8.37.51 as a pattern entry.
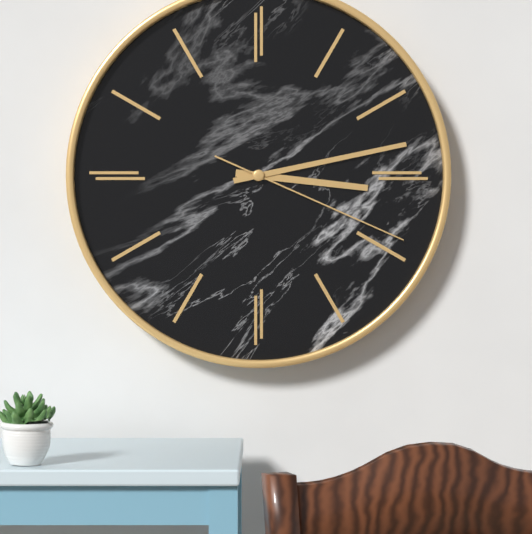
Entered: 3.13.19
